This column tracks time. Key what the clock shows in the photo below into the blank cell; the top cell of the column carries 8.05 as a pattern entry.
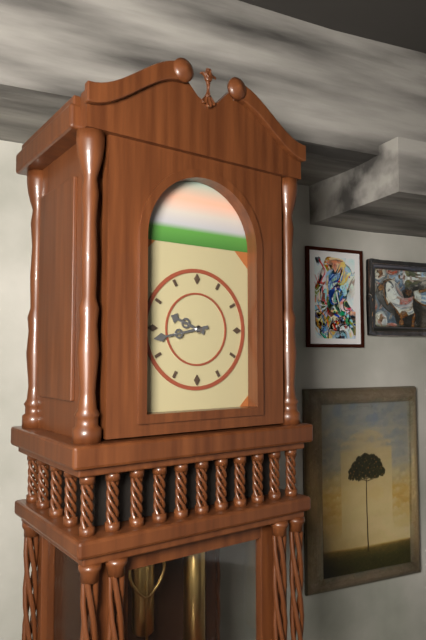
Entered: 9.43
